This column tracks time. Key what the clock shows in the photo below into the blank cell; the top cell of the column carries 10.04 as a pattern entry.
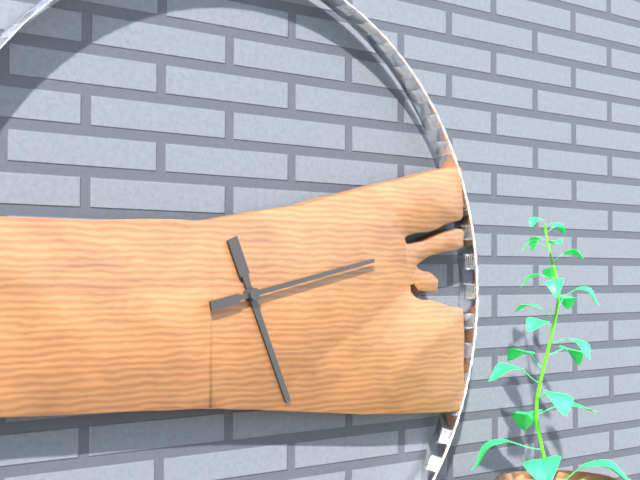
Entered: 5.13
